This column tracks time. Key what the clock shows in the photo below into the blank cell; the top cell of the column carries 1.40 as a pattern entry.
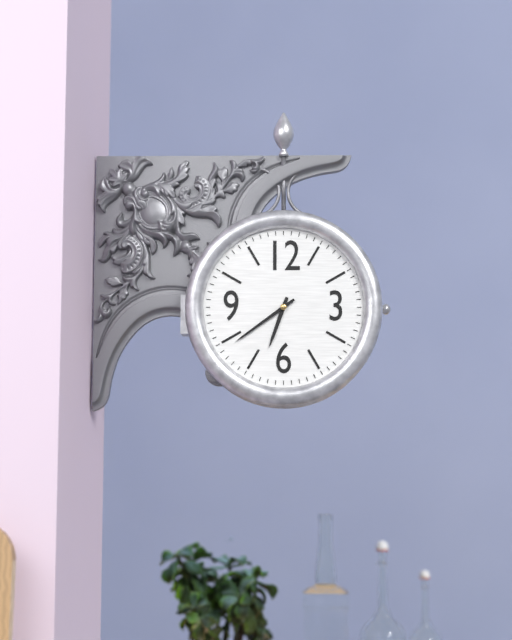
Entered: 6.39
